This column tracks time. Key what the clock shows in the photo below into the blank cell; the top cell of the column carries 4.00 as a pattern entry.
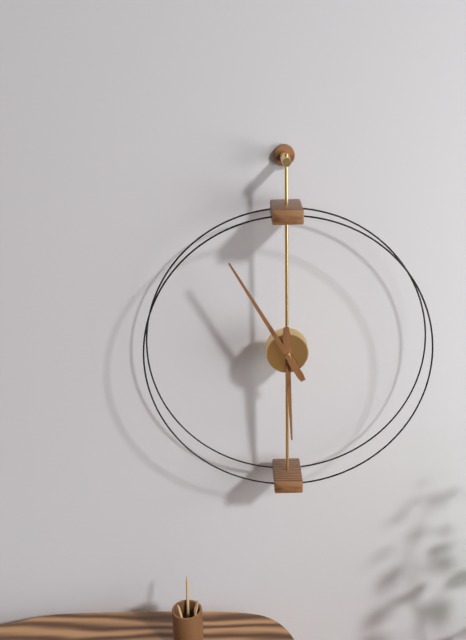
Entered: 5.55
